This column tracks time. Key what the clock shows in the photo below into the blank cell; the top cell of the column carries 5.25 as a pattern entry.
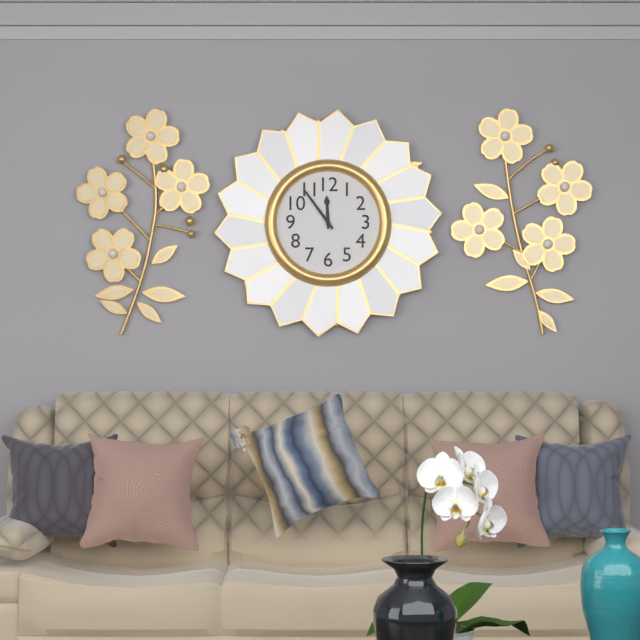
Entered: 11.54
